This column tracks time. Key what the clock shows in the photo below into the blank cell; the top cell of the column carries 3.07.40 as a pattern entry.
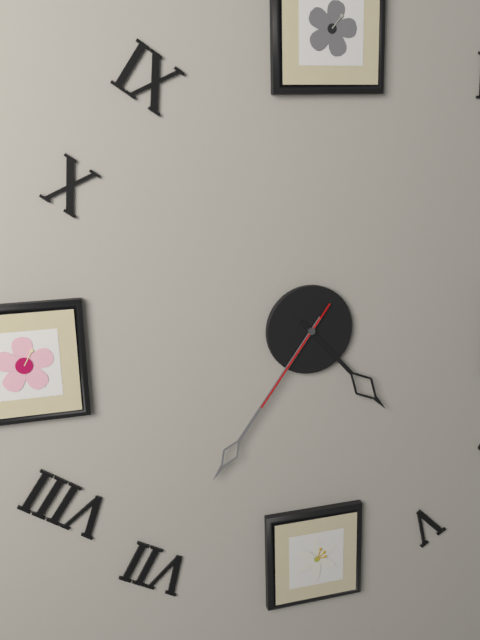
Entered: 4.36.36
